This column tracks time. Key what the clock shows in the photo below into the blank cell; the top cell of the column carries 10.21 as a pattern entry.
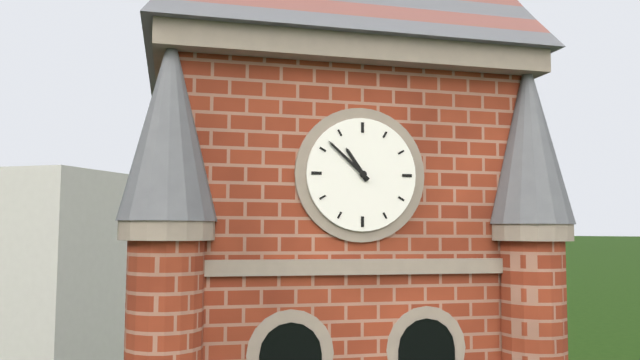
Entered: 10.52
